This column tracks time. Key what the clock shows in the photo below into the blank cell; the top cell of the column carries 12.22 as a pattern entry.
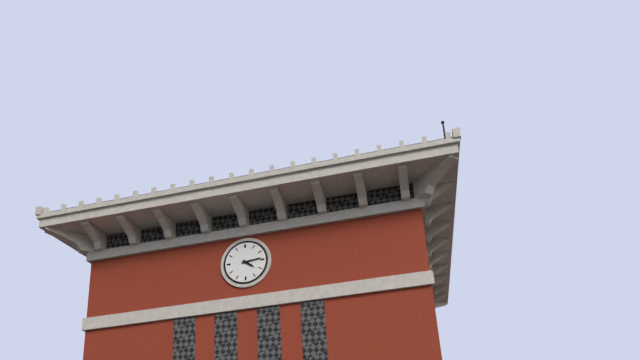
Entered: 4.14
